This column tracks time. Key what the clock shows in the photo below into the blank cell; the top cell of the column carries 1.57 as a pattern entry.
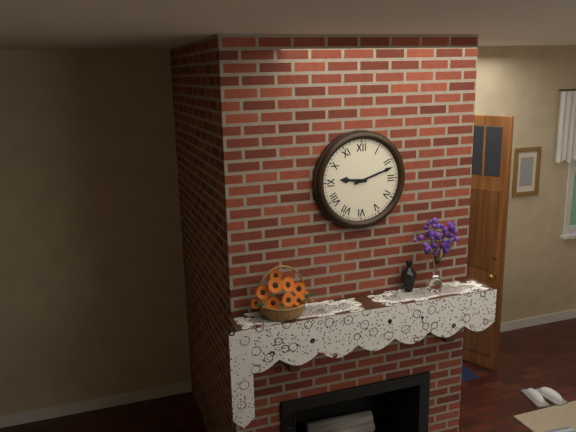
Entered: 9.12
